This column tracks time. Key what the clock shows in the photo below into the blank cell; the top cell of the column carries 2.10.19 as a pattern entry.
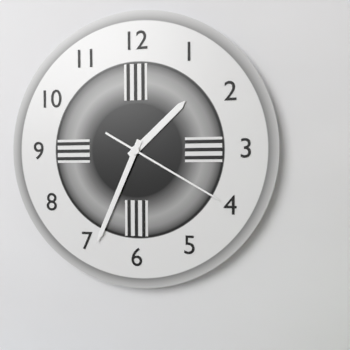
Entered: 1.34.20
